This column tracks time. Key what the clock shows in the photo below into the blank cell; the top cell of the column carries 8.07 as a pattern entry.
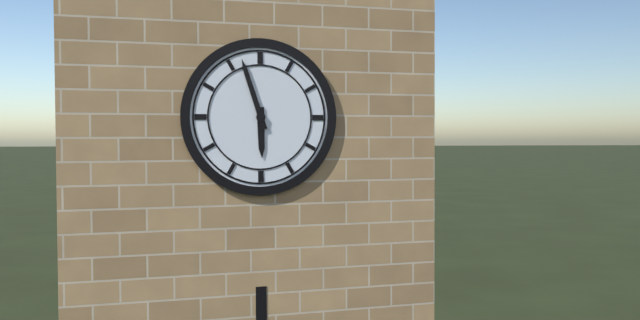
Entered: 5.57
